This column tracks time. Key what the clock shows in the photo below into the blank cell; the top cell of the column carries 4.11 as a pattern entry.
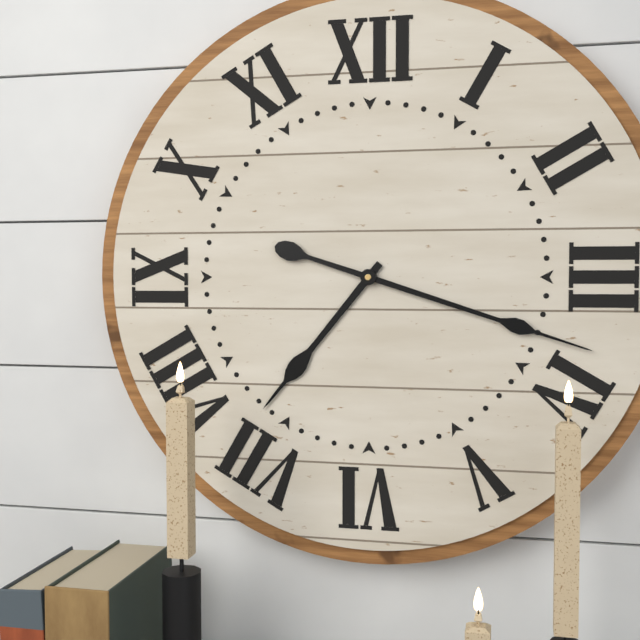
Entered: 7.18
